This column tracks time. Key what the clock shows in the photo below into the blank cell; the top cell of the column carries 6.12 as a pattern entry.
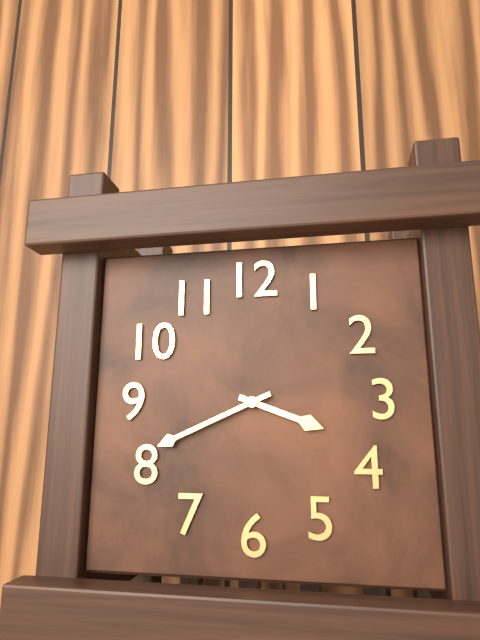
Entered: 3.41
